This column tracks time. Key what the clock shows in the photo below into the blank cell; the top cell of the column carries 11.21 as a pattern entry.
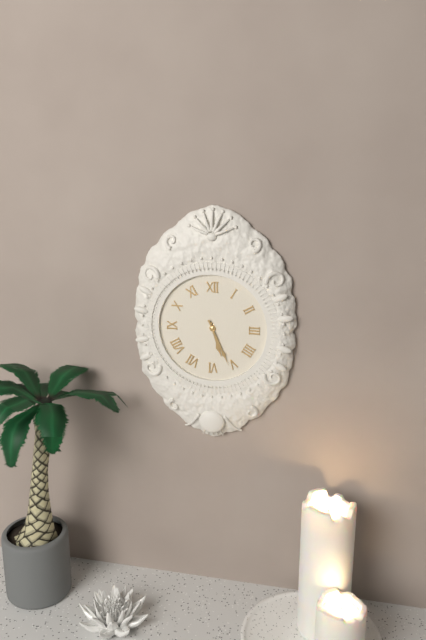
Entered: 5.26
